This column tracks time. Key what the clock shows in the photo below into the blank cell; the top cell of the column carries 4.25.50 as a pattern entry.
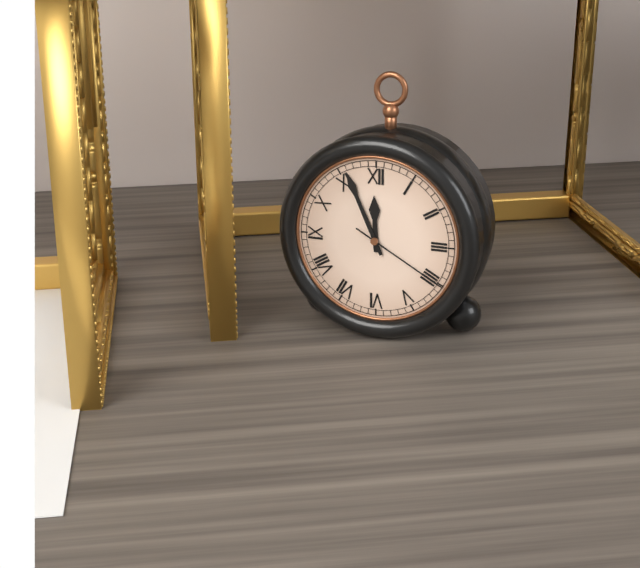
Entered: 11.56.20
